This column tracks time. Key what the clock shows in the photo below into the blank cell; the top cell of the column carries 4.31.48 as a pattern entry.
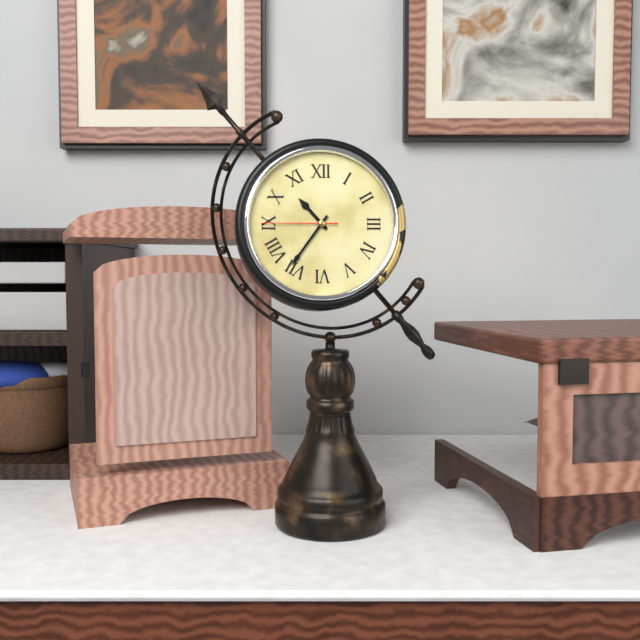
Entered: 10.36.45
